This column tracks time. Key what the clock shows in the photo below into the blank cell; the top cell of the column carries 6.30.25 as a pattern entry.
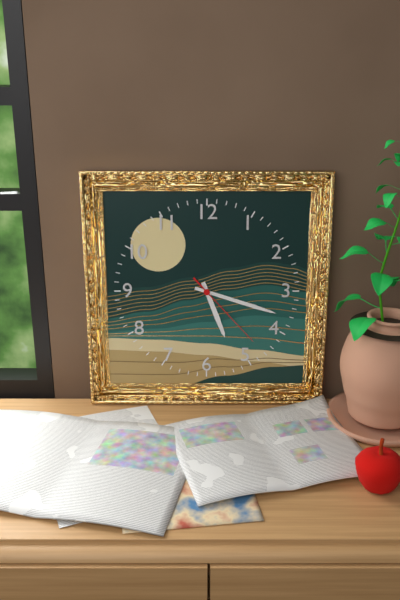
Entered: 5.18.23
